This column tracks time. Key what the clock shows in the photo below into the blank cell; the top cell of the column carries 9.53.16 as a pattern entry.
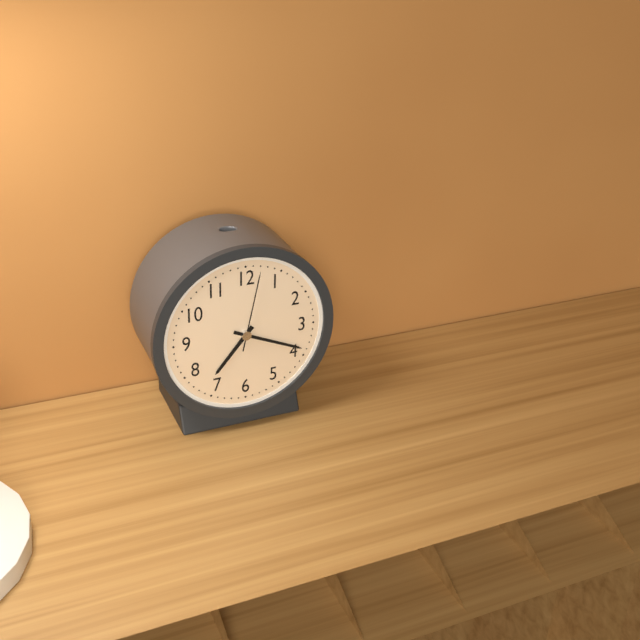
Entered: 7.19.02
